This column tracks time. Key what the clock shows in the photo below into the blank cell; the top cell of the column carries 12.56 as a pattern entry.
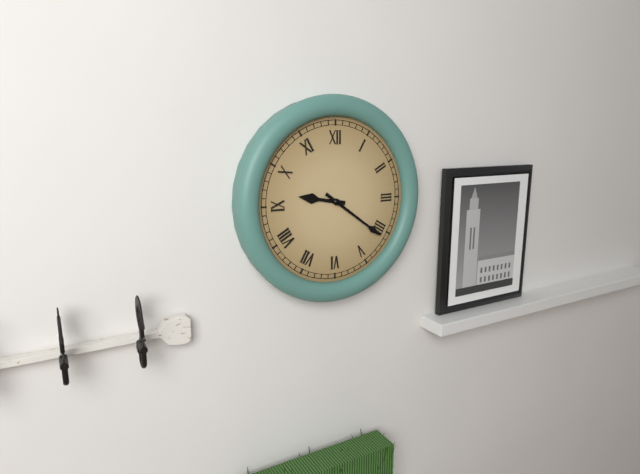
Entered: 9.21
